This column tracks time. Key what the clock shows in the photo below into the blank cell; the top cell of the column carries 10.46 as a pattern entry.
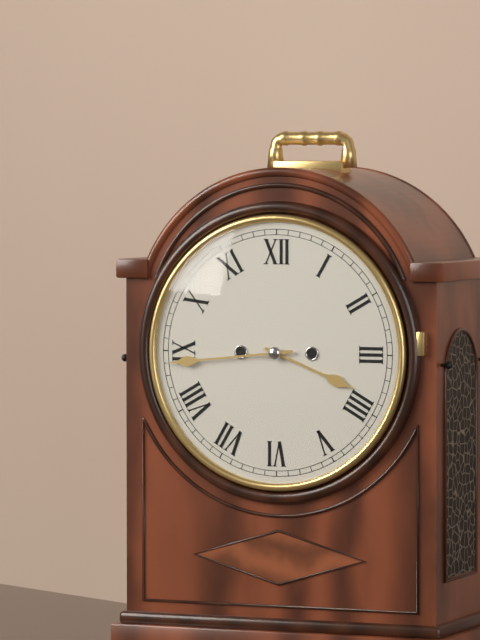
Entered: 3.44
